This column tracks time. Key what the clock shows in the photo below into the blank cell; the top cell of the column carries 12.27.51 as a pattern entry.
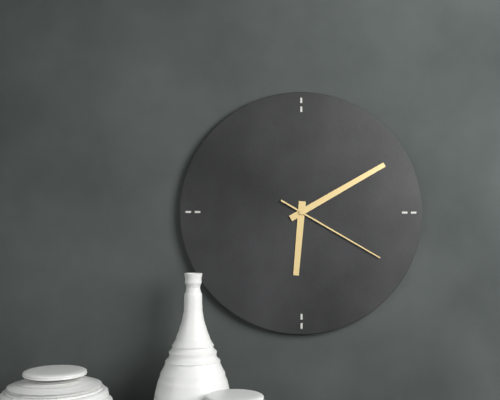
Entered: 6.10.20
